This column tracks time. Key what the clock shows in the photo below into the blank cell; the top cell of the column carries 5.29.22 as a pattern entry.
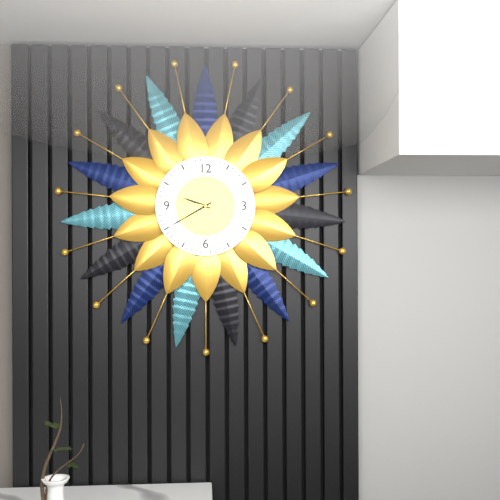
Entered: 9.40.47
